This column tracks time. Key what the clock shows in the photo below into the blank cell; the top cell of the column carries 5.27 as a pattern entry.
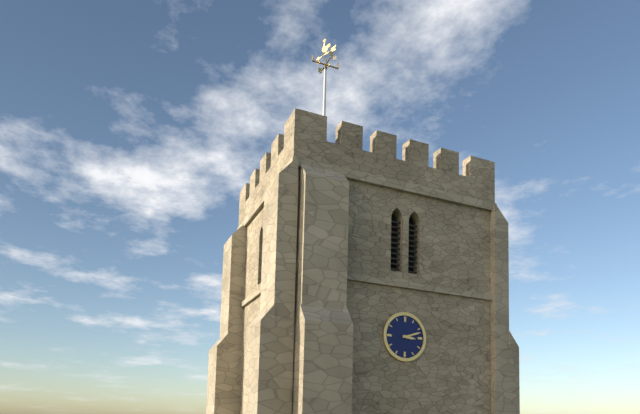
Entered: 3.12
